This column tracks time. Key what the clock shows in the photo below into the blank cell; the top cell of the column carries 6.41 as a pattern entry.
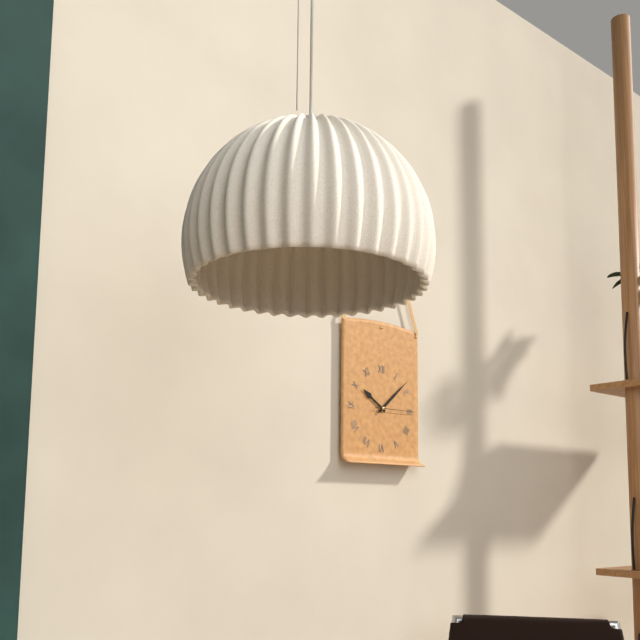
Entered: 10.08
